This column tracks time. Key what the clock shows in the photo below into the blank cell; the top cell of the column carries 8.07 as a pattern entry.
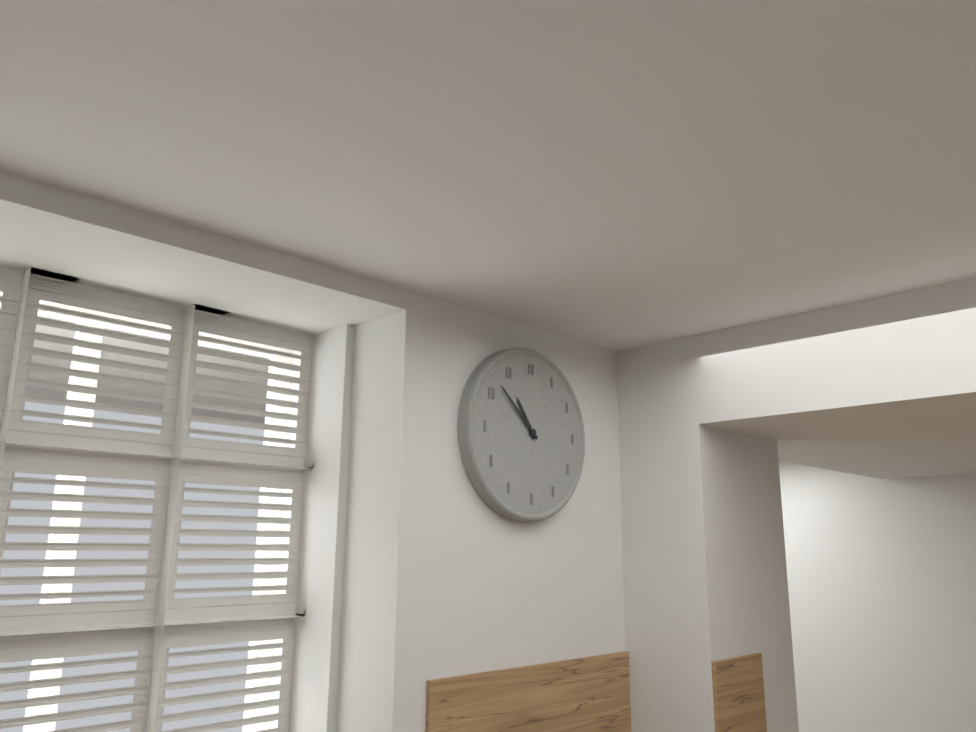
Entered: 10.52
